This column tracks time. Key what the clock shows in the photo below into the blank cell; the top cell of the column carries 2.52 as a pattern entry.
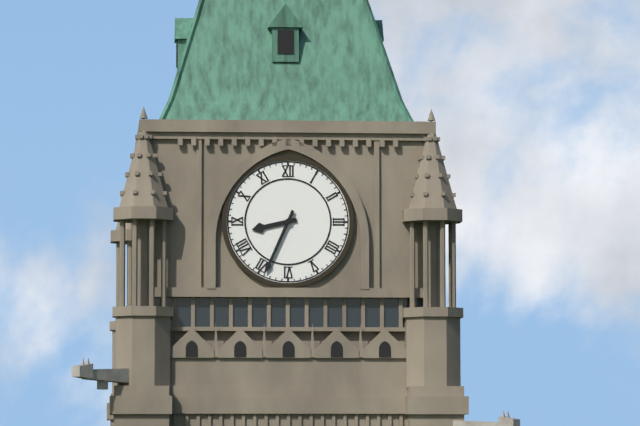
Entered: 8.34
